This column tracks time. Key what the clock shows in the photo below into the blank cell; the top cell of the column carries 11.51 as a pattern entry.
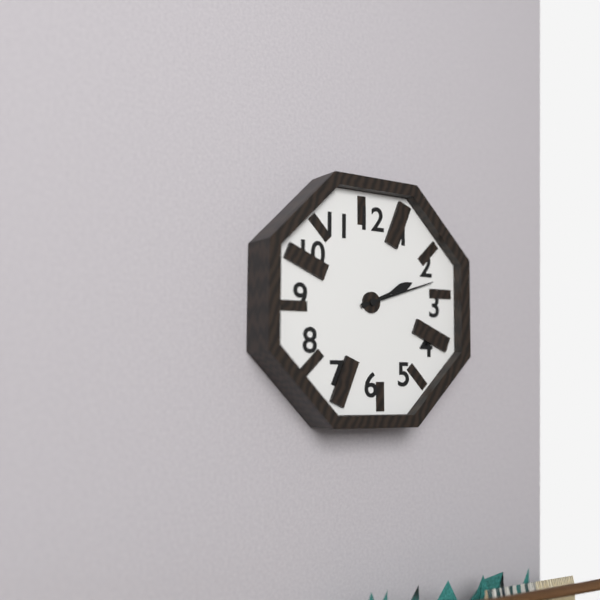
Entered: 2.12
